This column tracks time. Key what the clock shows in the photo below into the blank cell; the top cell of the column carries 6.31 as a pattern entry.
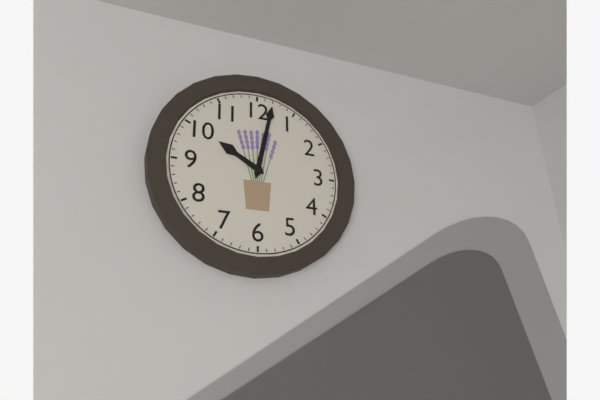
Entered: 10.02
